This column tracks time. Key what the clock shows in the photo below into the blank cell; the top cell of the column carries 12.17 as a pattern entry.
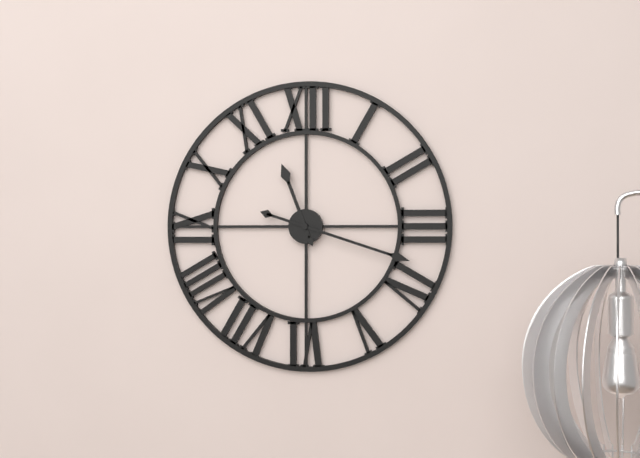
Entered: 11.18
